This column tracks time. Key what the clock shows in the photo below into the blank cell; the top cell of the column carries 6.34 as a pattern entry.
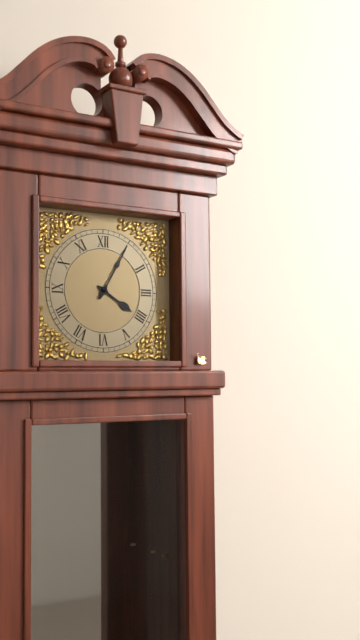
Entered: 4.05
